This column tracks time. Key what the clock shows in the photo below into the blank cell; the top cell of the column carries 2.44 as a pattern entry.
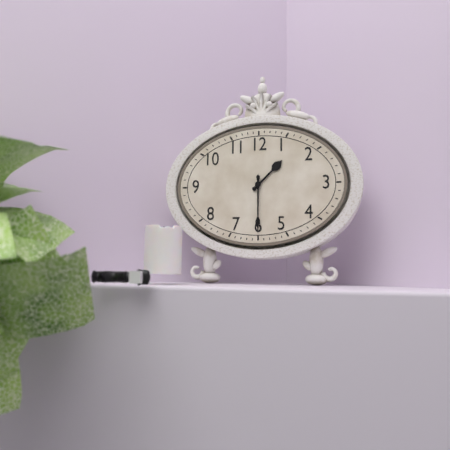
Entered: 1.30
